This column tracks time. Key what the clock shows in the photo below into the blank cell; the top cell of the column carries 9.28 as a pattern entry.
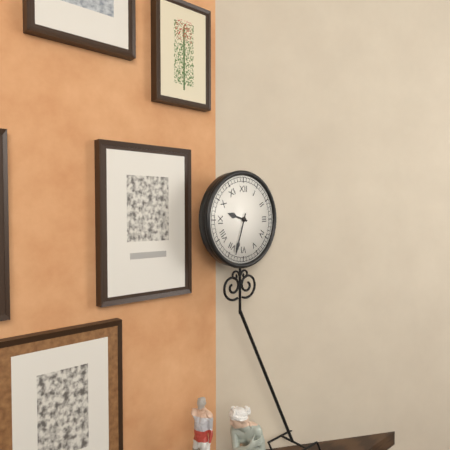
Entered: 9.33
